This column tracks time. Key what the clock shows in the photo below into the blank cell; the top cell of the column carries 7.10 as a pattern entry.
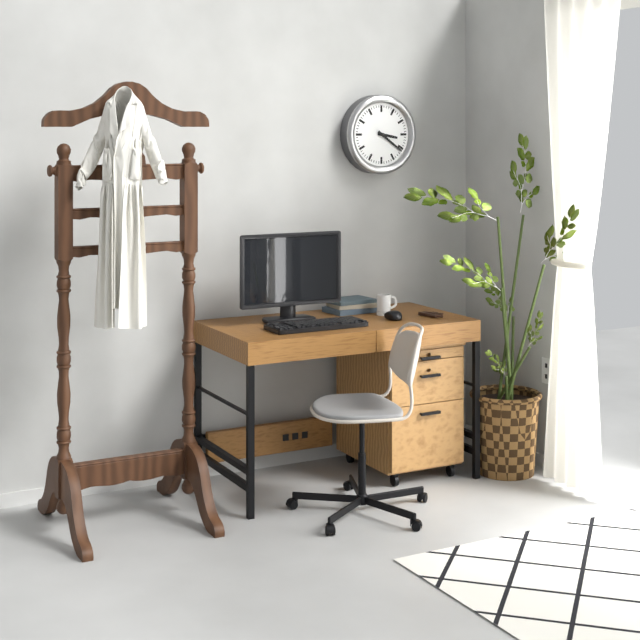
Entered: 3.21
